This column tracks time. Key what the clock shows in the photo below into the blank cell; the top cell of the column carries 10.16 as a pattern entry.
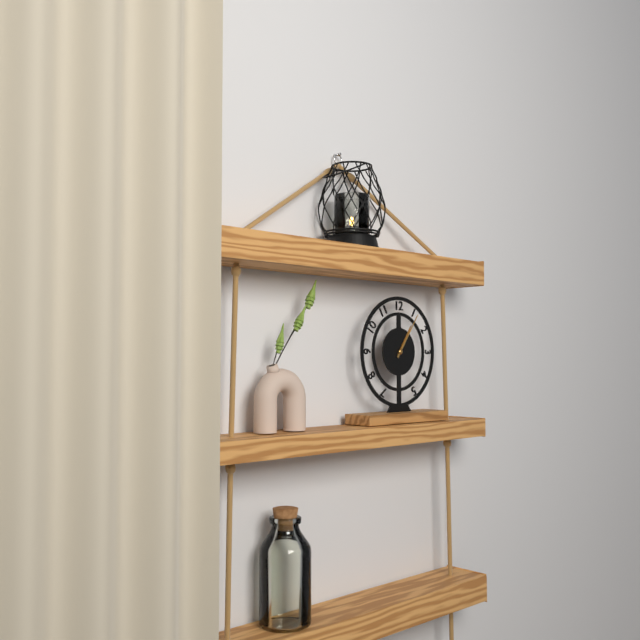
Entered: 1.06
